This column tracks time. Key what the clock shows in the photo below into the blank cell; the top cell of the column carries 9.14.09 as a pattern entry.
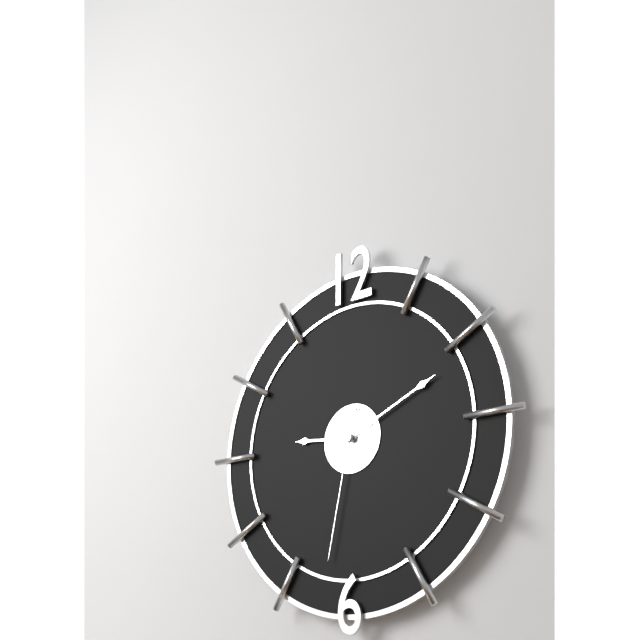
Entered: 9.11.32
